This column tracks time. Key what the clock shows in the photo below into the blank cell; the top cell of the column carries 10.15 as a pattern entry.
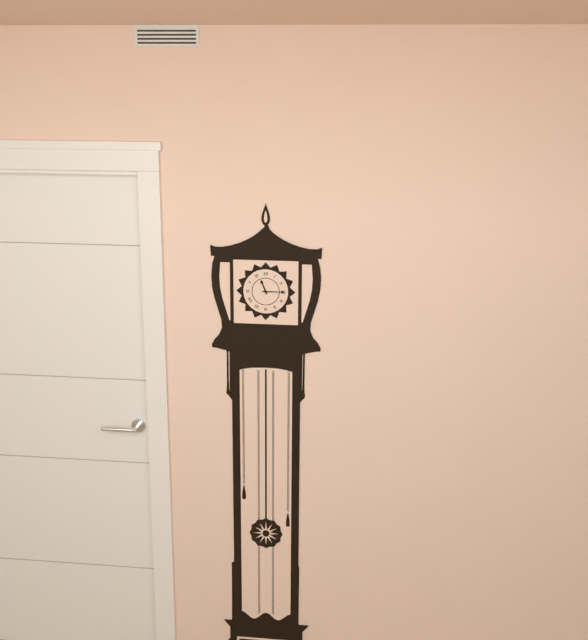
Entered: 11.15
